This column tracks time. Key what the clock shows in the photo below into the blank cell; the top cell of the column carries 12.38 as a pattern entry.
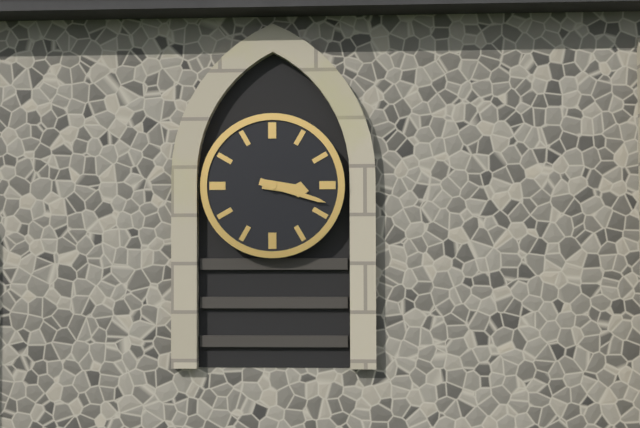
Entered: 3.18
